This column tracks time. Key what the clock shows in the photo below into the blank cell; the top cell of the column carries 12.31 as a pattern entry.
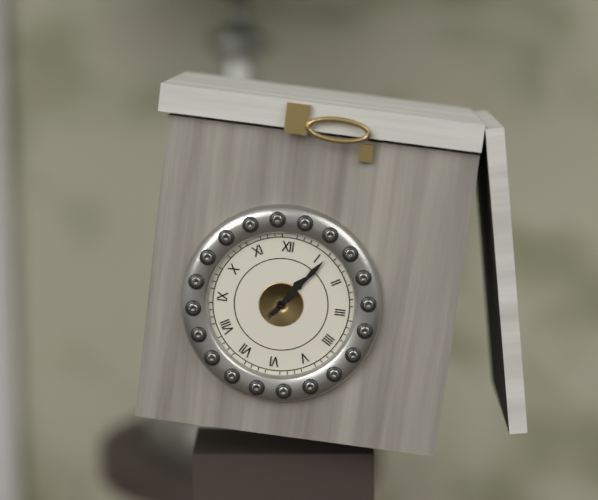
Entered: 1.06
